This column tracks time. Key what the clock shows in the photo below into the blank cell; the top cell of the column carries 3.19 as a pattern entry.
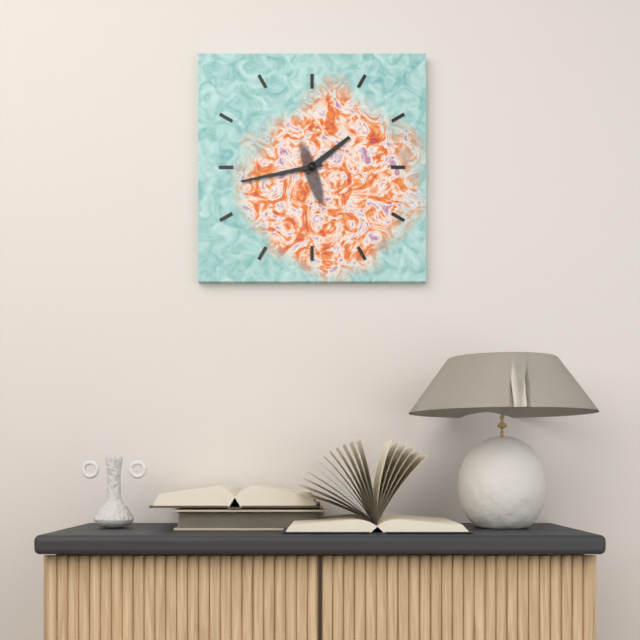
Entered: 1.43
